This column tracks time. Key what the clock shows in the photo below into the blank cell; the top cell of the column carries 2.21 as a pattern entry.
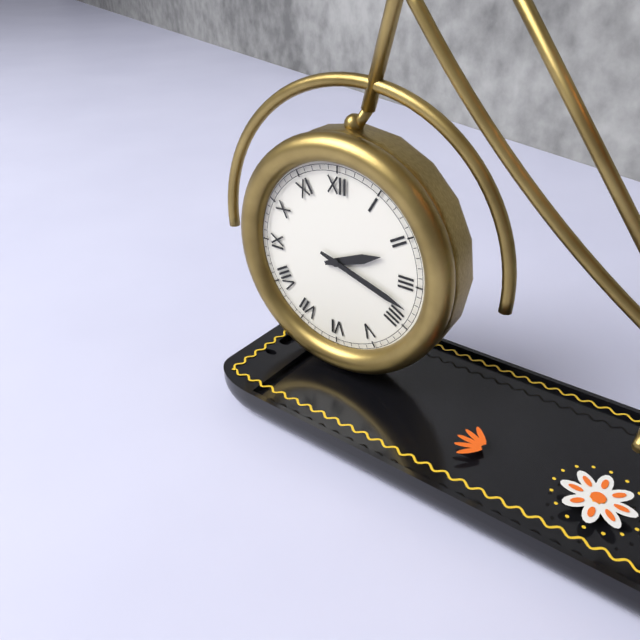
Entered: 2.18
